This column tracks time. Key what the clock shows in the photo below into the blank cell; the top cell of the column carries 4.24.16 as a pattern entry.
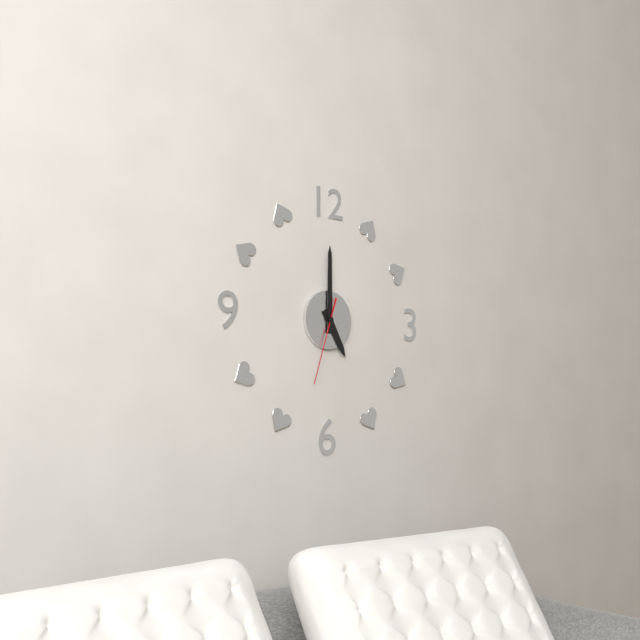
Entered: 5.00.33
